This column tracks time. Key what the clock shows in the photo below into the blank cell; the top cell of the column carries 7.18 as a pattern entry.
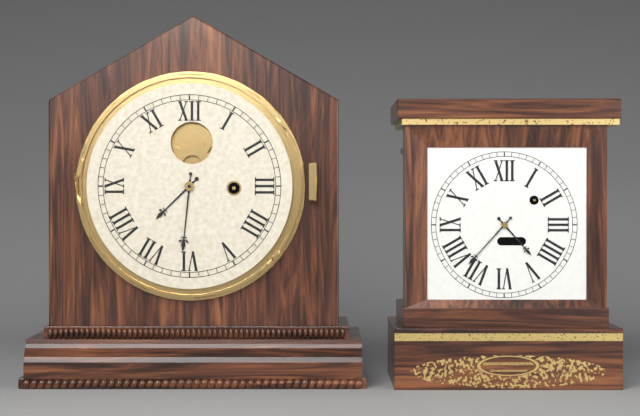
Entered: 7.31
